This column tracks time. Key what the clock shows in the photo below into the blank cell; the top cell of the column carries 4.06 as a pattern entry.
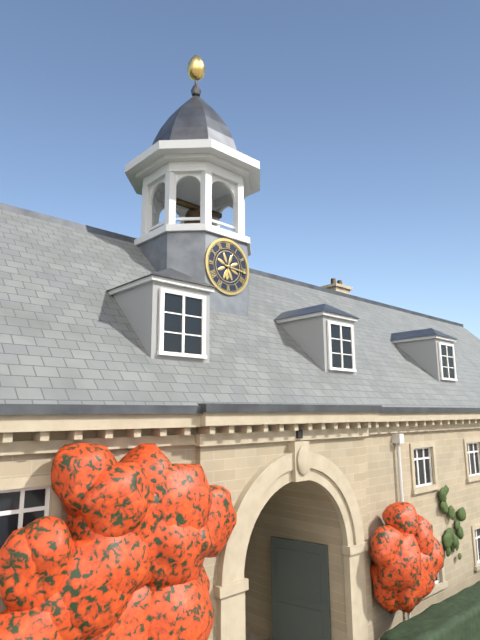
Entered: 6.16
